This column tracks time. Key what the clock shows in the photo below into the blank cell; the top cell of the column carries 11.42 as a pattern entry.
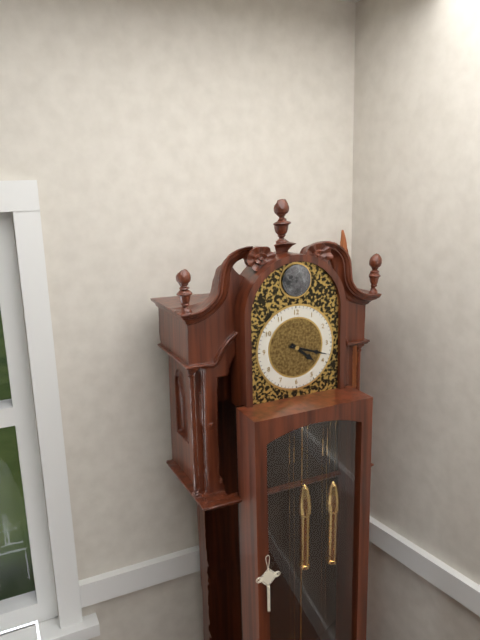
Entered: 4.18
